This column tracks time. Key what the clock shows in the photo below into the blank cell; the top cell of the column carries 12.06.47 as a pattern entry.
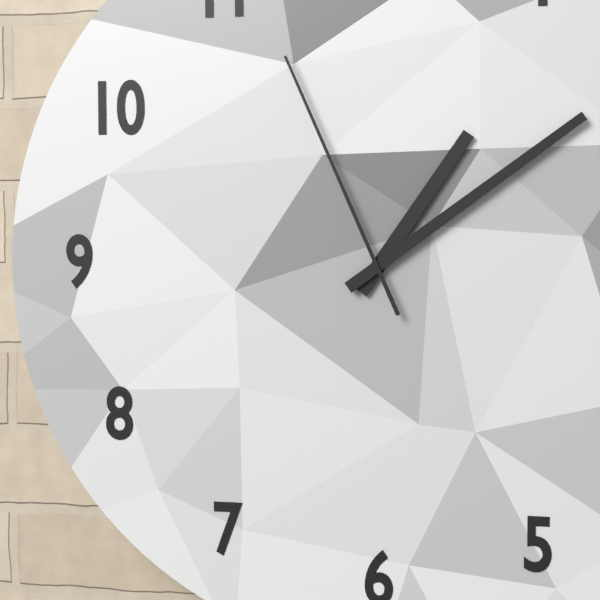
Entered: 1.09.56
